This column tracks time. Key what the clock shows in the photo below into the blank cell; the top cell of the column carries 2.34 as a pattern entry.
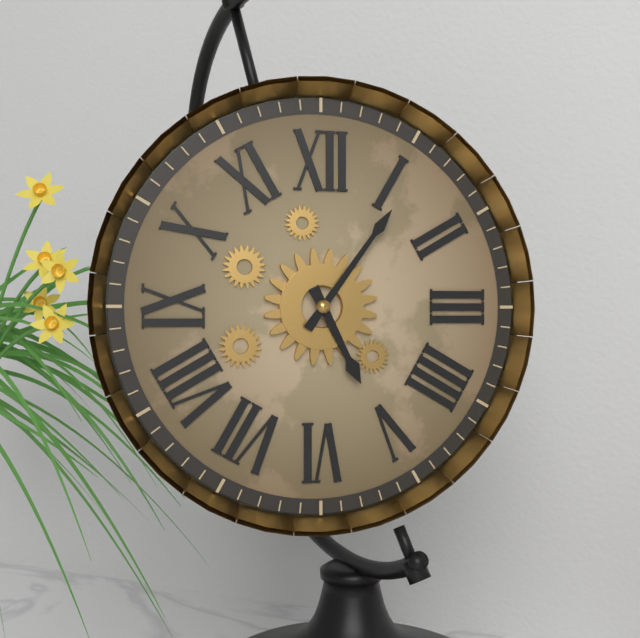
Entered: 5.06
